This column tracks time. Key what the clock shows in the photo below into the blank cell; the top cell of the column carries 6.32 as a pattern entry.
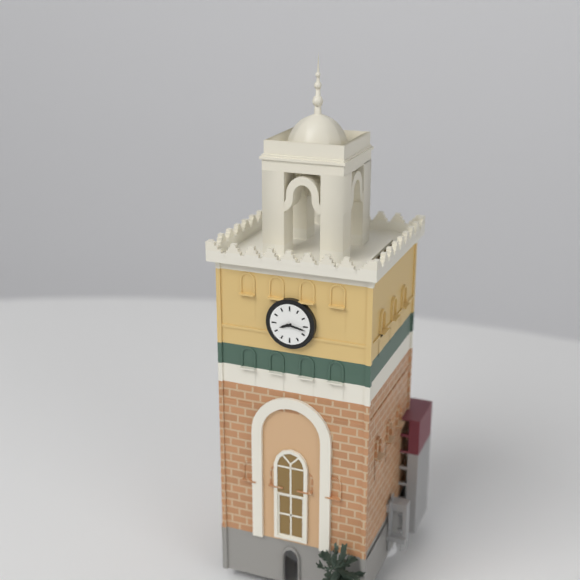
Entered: 8.17
